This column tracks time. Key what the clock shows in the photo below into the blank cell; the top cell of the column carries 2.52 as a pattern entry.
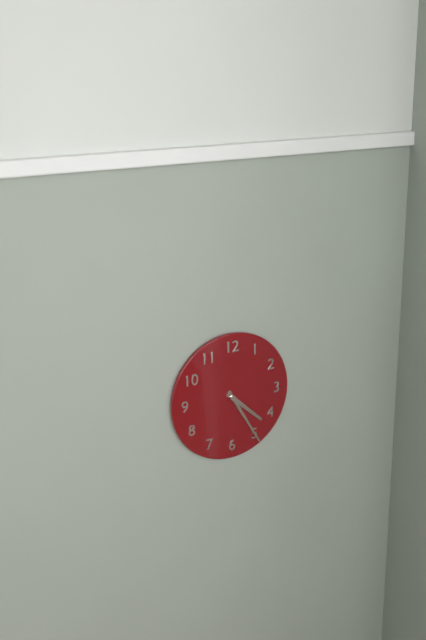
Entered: 4.25
